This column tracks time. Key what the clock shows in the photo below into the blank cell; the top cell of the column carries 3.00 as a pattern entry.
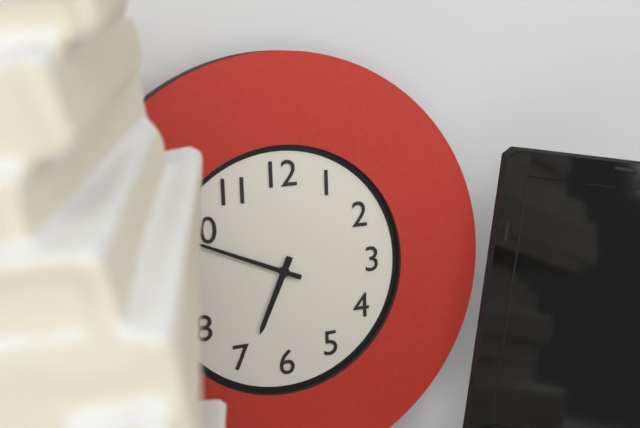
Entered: 6.49
